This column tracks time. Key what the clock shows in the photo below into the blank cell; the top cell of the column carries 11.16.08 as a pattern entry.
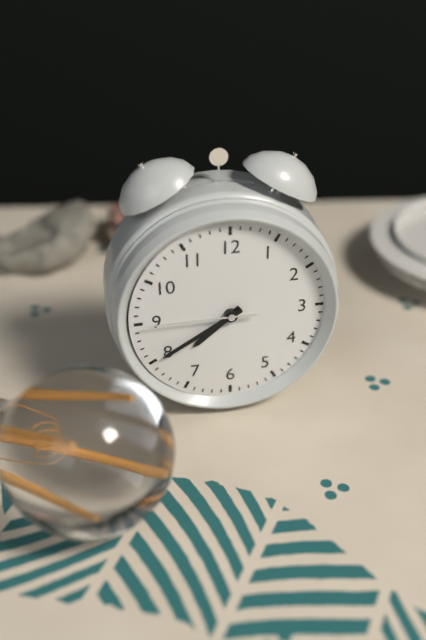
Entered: 7.40.45
